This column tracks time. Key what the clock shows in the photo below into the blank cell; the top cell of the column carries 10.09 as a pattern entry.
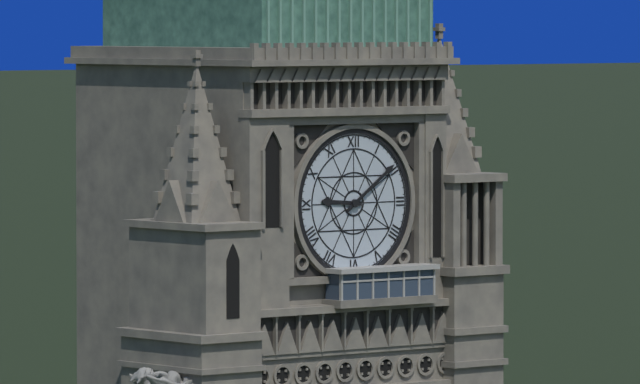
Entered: 9.09
